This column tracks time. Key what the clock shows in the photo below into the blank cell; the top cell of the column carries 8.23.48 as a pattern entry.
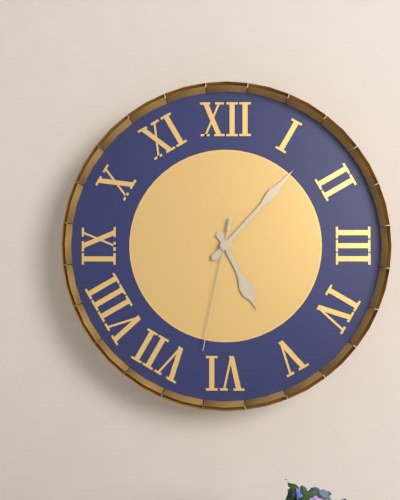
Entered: 5.07.32
